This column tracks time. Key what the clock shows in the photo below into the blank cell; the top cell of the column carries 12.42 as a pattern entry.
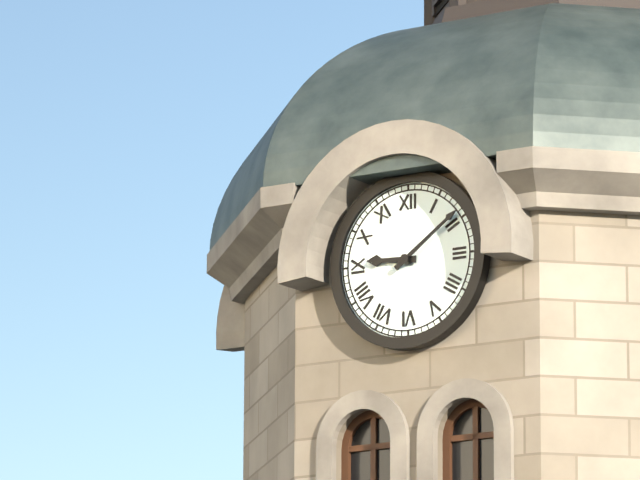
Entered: 9.09
